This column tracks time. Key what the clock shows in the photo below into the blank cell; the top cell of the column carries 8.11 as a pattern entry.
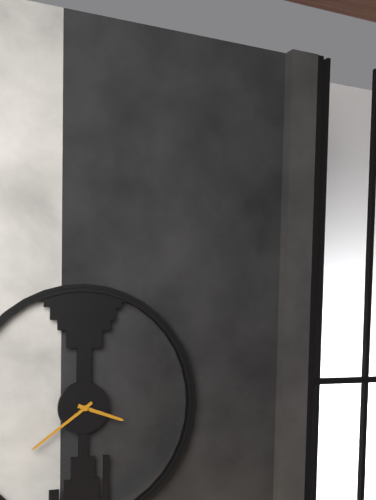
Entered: 3.39
